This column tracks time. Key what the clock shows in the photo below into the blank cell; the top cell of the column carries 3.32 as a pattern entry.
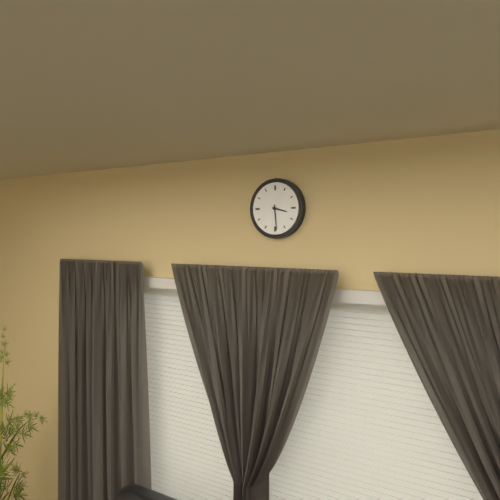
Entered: 3.29
